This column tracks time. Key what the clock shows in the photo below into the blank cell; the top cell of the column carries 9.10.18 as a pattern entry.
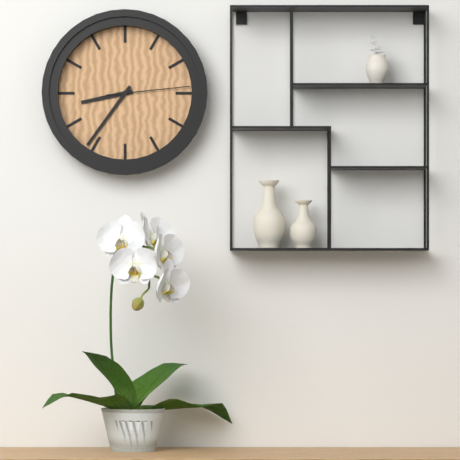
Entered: 8.36.14
